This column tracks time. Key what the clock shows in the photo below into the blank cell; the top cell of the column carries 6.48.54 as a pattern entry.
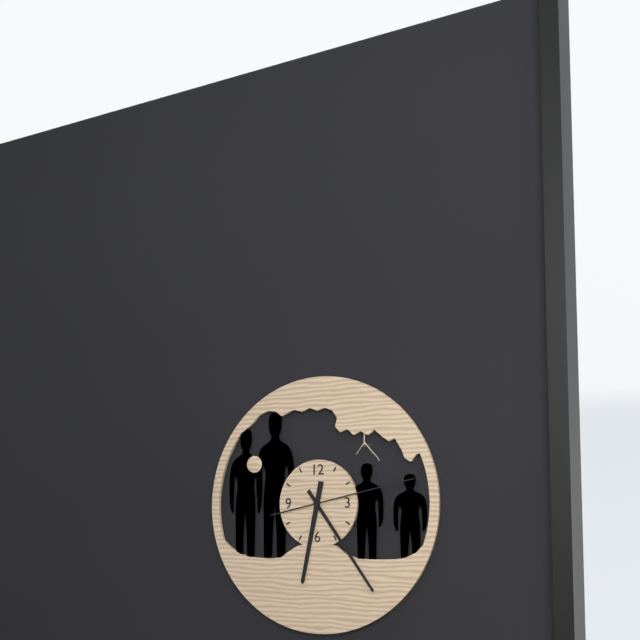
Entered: 6.24.13
